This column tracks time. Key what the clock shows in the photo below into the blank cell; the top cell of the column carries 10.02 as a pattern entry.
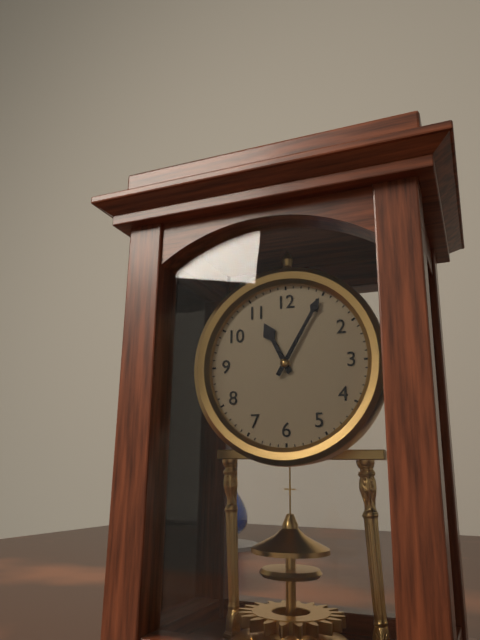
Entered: 11.05
